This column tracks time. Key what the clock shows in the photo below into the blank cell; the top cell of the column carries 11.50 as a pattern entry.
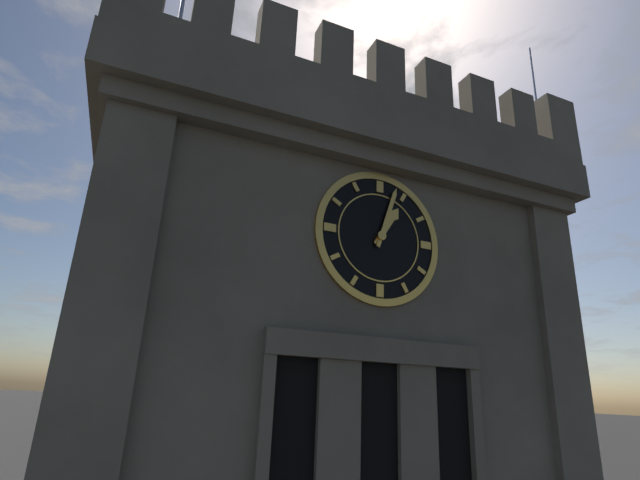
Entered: 1.03
